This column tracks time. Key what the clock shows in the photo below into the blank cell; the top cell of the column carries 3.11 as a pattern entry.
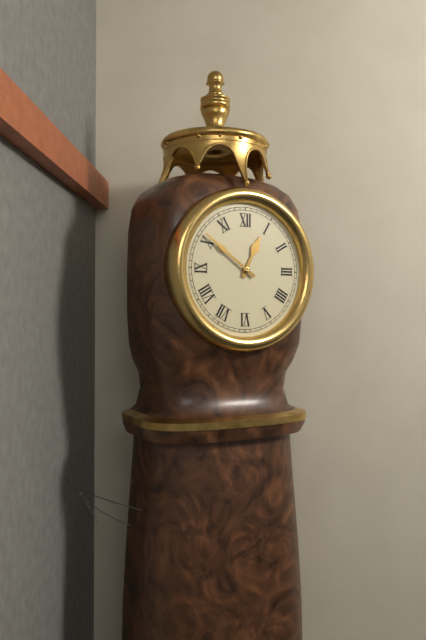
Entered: 12.51
